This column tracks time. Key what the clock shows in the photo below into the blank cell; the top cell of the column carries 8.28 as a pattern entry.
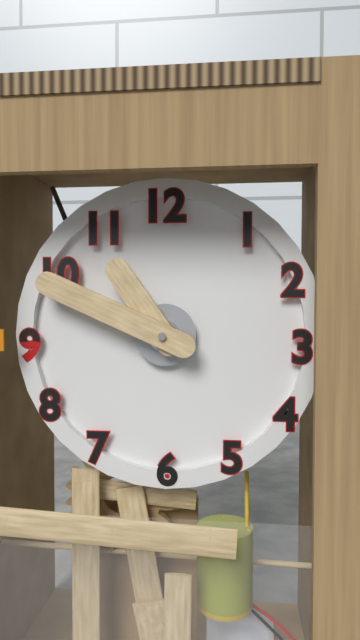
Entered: 10.49
